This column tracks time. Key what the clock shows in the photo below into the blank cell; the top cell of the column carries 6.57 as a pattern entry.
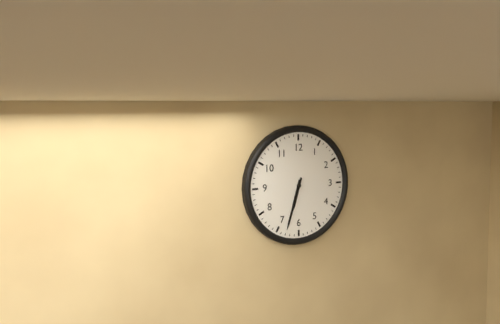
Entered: 6.33
